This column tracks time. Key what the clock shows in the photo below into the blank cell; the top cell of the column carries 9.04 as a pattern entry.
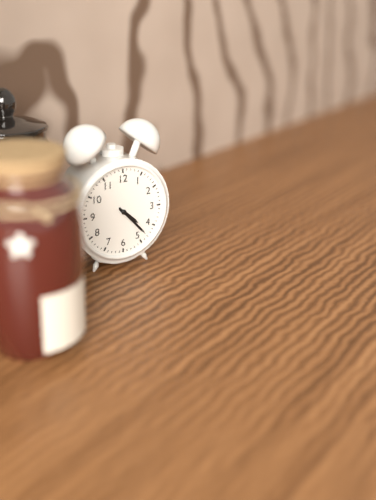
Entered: 4.23
